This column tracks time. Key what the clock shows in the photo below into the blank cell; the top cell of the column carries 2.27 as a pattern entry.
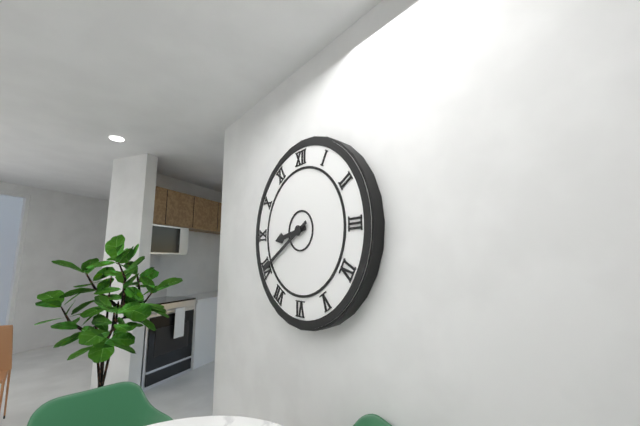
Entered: 8.40
